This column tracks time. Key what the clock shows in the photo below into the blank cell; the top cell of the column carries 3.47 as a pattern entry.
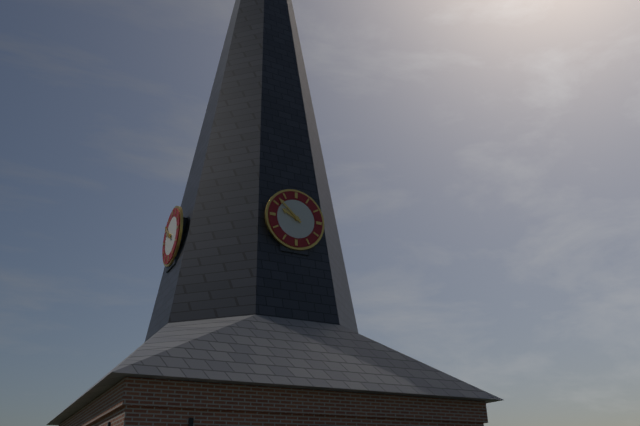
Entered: 9.52
